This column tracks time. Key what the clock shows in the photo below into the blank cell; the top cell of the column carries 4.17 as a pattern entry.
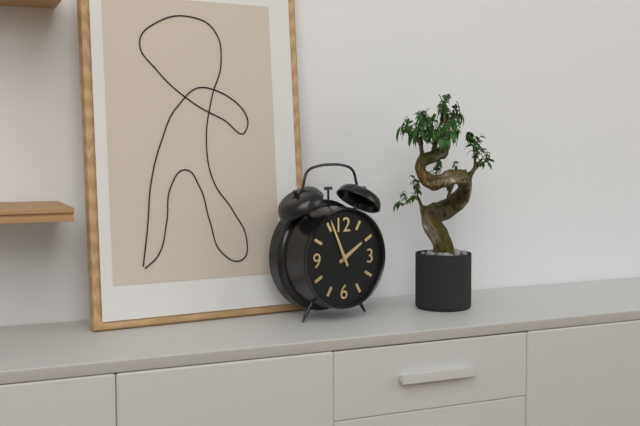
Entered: 1.56
